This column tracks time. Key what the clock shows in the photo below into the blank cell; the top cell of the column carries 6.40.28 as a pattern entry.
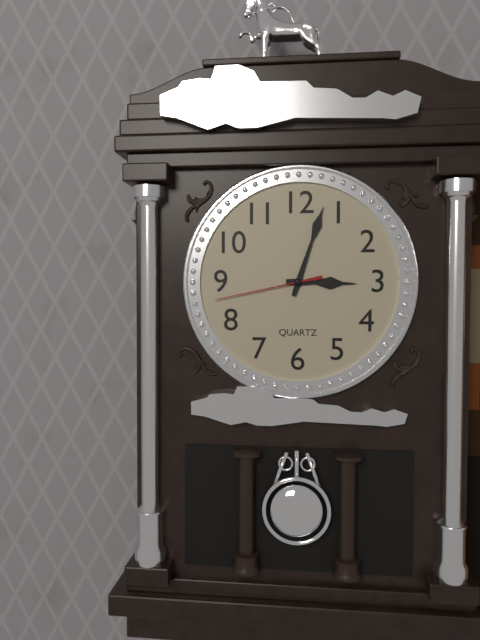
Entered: 3.03.43
